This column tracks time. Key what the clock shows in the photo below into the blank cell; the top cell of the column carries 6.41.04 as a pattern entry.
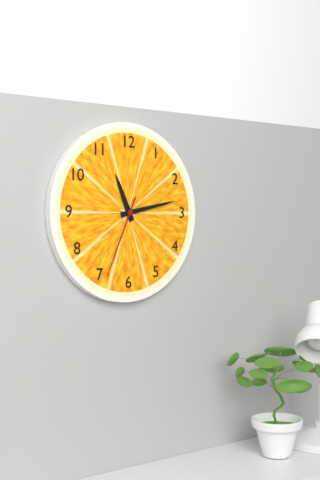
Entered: 11.13.34
